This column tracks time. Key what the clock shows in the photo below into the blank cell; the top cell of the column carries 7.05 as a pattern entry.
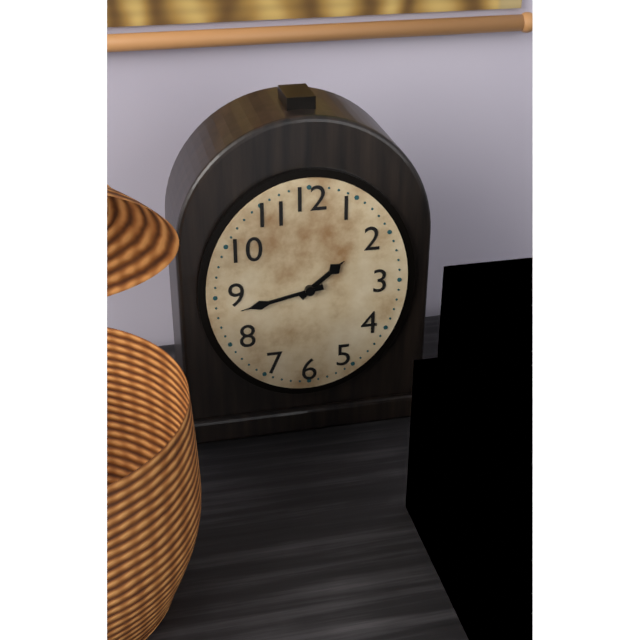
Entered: 1.43
